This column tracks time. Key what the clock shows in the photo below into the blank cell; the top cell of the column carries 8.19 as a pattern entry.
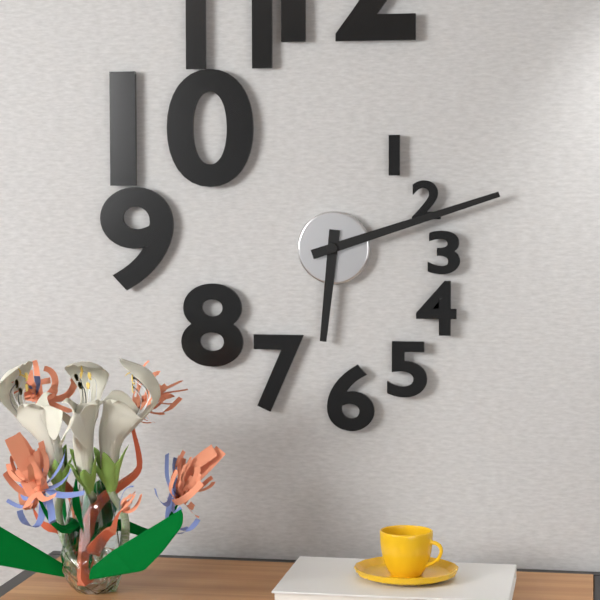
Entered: 6.12
